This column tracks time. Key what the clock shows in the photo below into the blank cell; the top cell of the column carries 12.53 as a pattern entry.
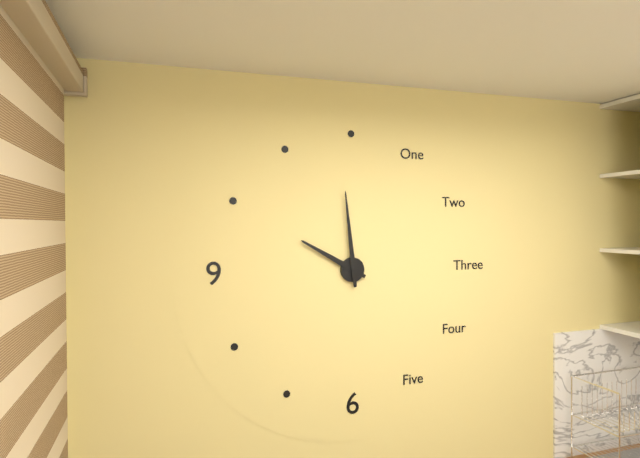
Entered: 9.59
